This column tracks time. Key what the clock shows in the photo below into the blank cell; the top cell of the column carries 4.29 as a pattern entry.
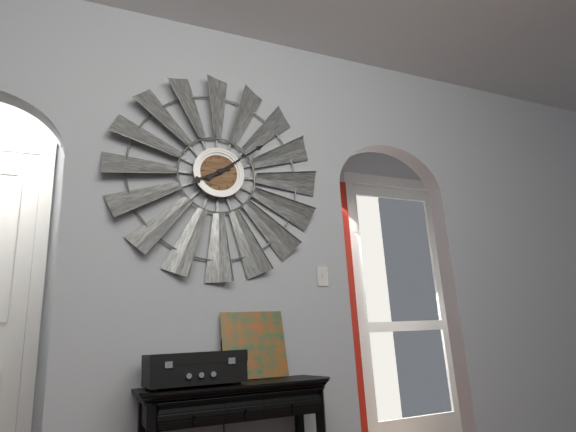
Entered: 8.09
